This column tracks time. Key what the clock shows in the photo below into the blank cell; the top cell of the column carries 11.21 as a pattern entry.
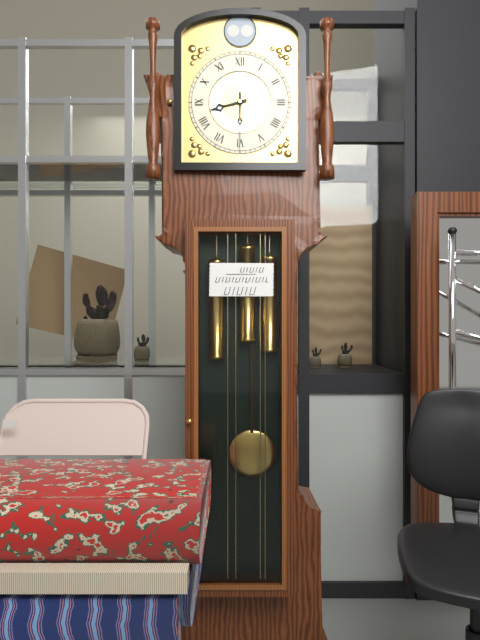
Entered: 8.30
